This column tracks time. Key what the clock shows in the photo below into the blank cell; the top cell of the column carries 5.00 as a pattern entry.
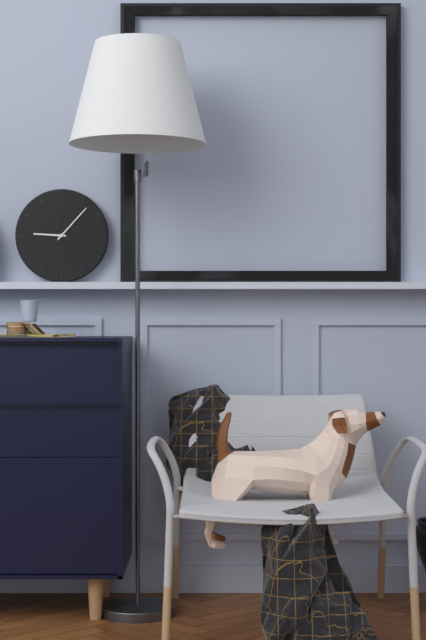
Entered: 9.07
